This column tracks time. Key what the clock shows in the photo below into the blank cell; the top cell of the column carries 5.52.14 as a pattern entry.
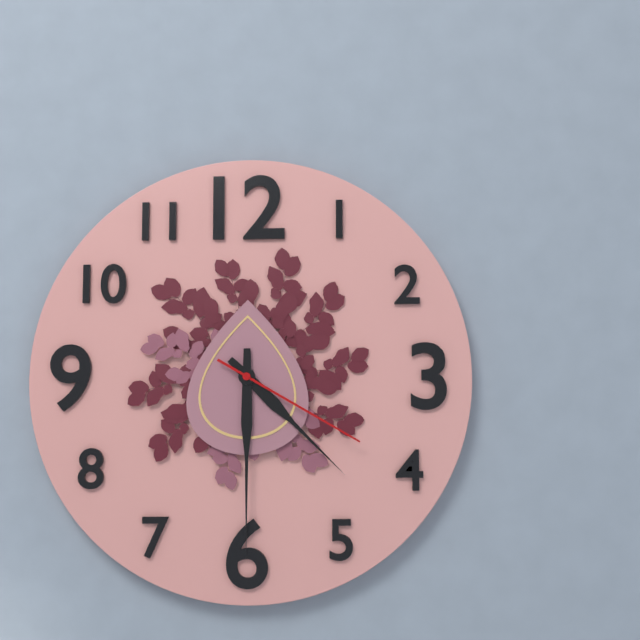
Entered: 4.30.20
